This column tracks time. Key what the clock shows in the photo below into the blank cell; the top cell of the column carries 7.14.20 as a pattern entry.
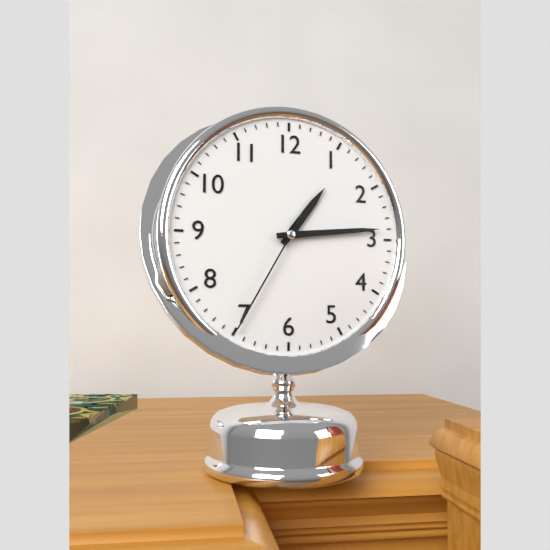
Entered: 1.14.35
